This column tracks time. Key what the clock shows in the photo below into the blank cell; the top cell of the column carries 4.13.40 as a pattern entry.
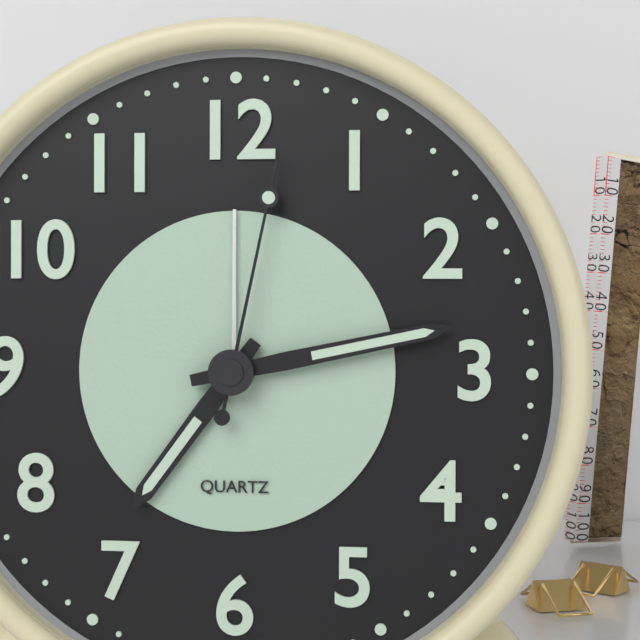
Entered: 7.13.02
